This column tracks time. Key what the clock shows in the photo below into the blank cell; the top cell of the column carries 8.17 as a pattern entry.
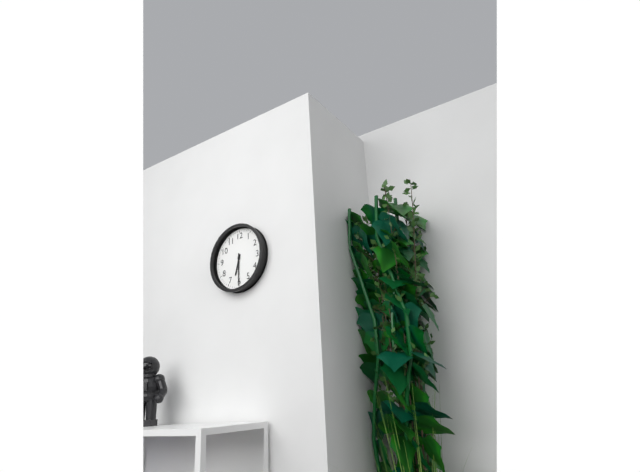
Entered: 6.30
